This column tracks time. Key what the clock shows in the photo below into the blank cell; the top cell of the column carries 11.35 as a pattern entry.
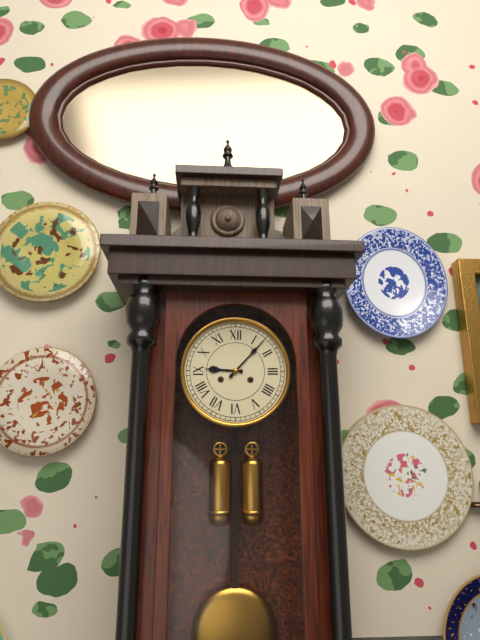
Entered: 9.07
